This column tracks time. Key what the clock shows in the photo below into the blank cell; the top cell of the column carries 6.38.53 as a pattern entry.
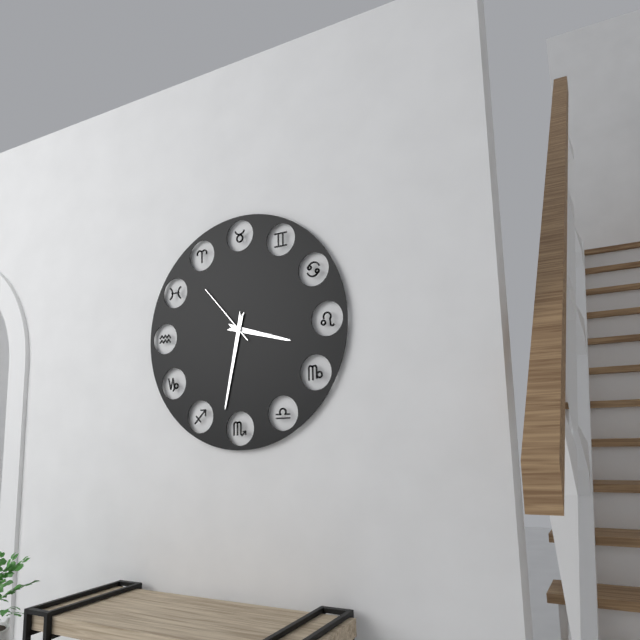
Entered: 3.32.53
